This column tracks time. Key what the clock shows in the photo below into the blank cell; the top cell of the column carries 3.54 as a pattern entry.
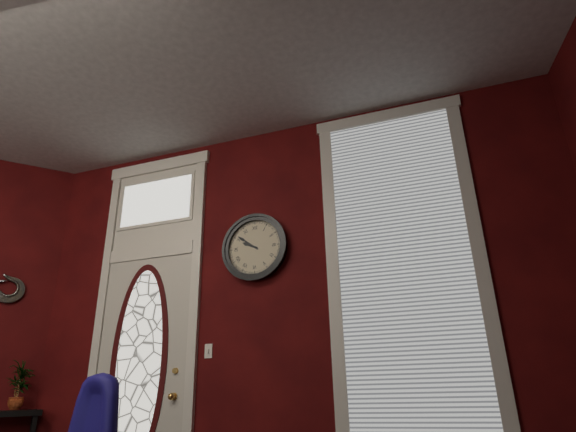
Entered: 9.51
